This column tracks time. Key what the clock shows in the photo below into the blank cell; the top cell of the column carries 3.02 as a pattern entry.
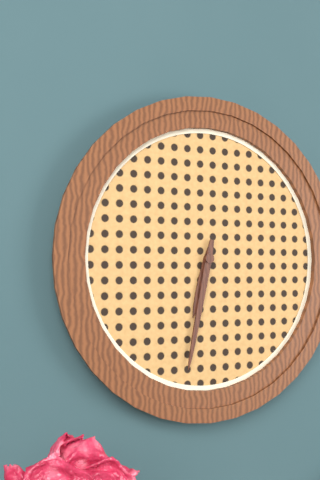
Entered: 6.32
